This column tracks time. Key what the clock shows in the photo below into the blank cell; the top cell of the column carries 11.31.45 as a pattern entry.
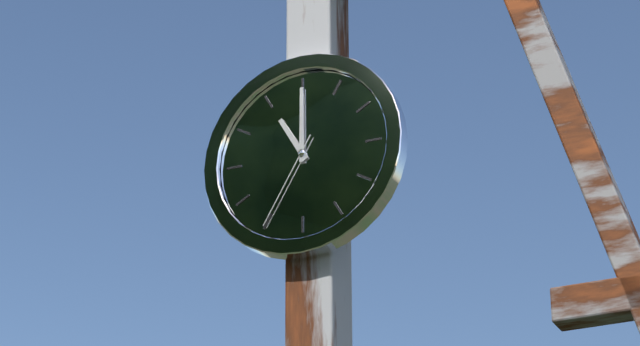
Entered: 11.00.35
